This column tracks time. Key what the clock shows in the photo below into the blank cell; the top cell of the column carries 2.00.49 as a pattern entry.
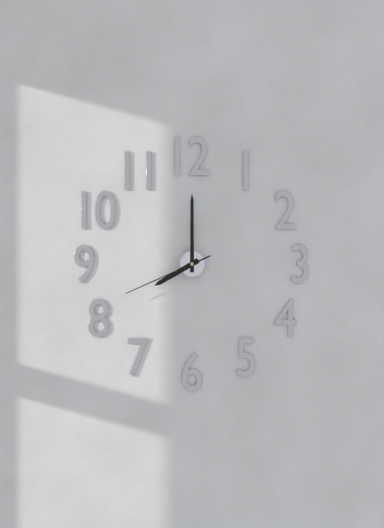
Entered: 8.00.41
